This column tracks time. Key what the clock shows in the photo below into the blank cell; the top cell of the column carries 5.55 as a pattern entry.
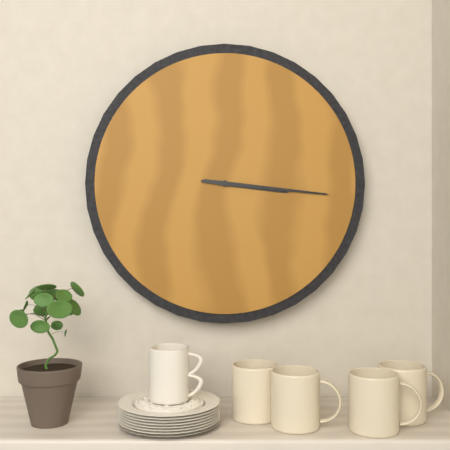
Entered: 3.16
